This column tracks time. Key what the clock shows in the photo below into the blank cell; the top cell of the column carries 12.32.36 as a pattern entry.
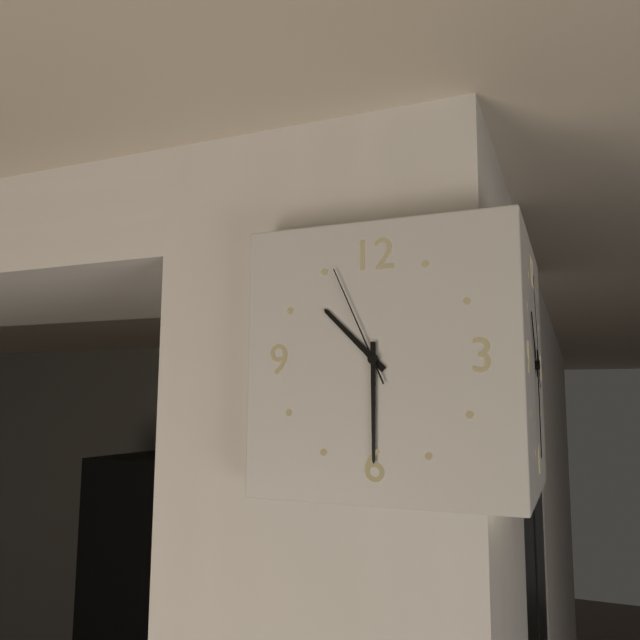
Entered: 10.30.56
